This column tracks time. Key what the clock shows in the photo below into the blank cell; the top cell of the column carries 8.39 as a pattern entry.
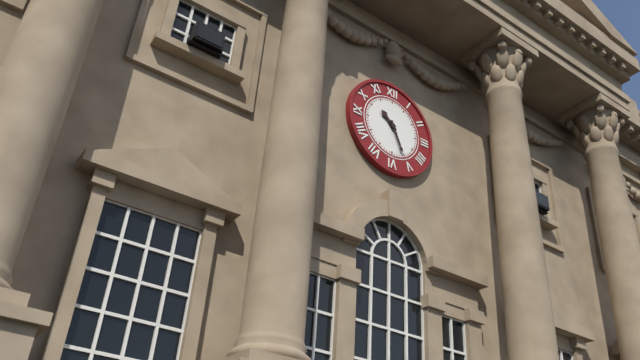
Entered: 10.26
